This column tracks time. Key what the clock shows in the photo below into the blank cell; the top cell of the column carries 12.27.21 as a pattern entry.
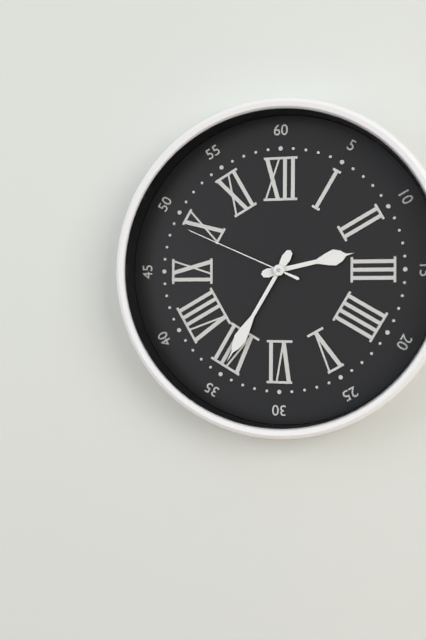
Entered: 2.35.49
